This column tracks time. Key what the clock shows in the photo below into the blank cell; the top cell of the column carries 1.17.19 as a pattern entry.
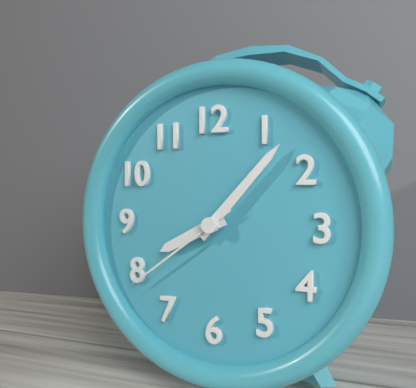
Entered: 8.07.39
